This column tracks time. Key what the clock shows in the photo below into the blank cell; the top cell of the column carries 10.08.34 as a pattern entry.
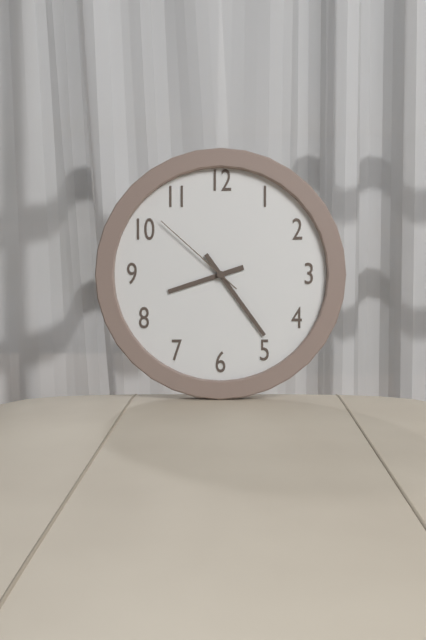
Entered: 8.24.52
